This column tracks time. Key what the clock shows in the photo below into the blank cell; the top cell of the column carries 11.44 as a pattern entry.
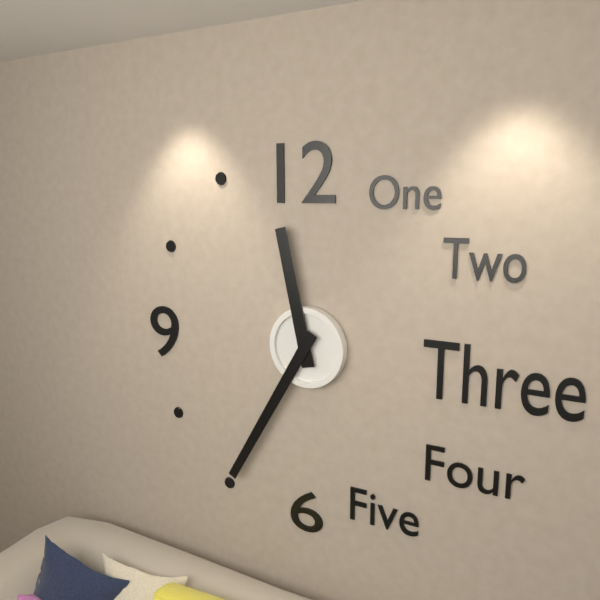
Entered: 11.35
